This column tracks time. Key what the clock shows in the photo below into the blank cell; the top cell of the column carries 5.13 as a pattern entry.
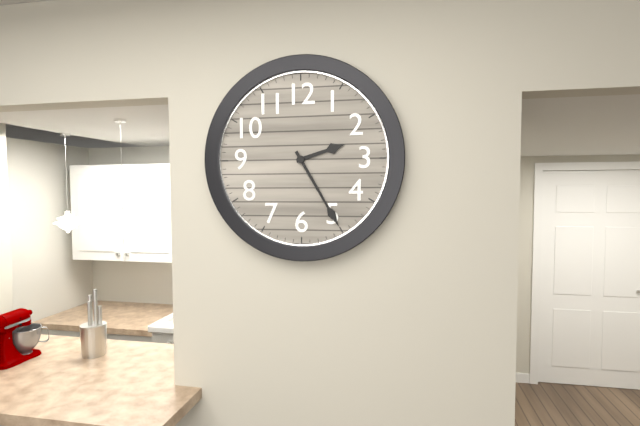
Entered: 2.25
